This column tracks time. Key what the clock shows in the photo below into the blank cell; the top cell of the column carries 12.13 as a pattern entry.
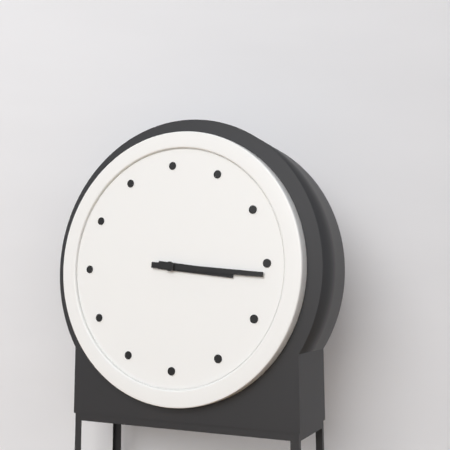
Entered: 3.16
